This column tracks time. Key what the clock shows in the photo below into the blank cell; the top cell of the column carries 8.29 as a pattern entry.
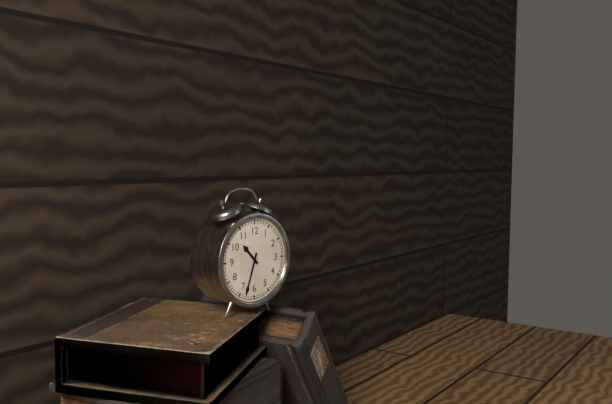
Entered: 10.33
